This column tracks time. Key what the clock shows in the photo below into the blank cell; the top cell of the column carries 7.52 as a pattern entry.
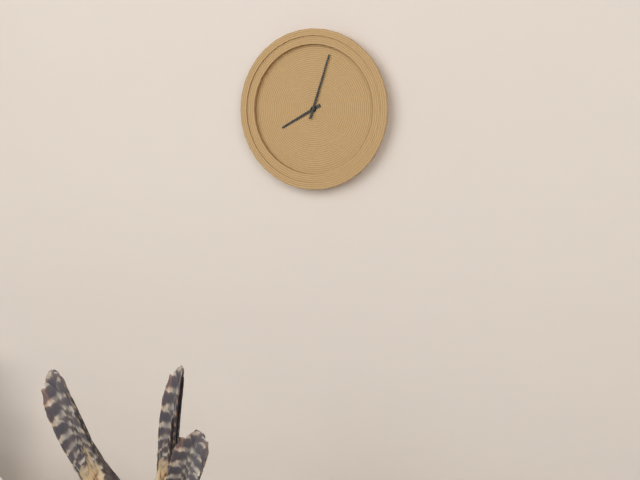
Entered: 8.03
